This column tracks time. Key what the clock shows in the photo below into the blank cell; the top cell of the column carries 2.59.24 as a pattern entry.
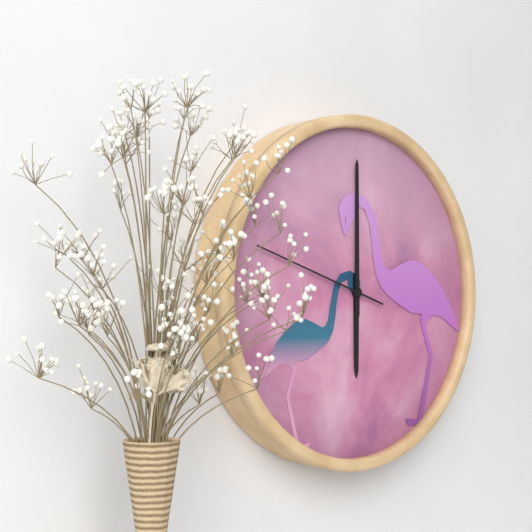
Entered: 6.00.48
